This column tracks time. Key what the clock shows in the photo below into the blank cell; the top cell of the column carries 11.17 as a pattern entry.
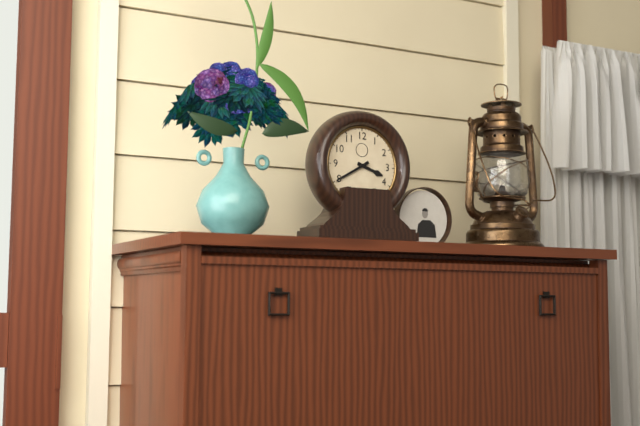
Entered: 3.40
